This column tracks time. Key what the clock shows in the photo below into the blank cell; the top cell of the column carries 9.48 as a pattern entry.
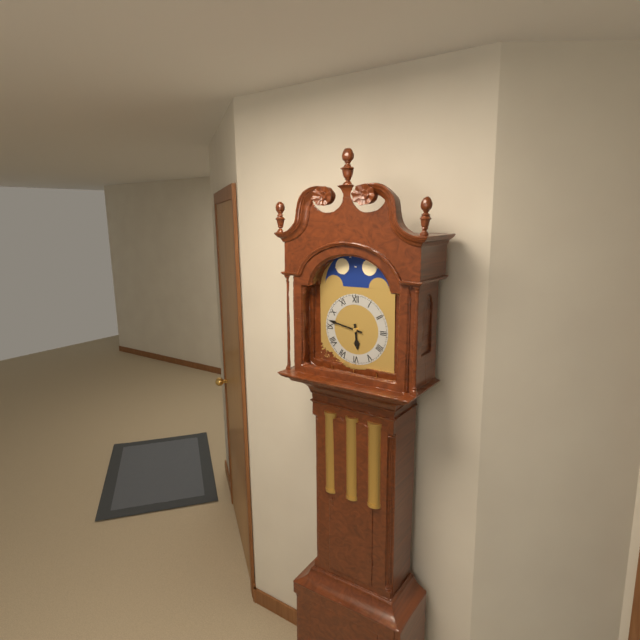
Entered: 5.47
